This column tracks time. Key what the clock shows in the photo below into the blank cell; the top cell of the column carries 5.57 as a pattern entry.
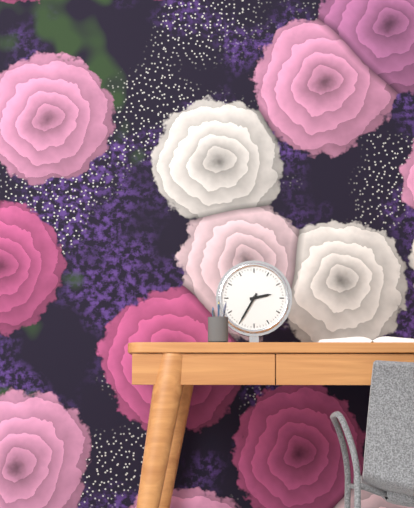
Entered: 2.35
